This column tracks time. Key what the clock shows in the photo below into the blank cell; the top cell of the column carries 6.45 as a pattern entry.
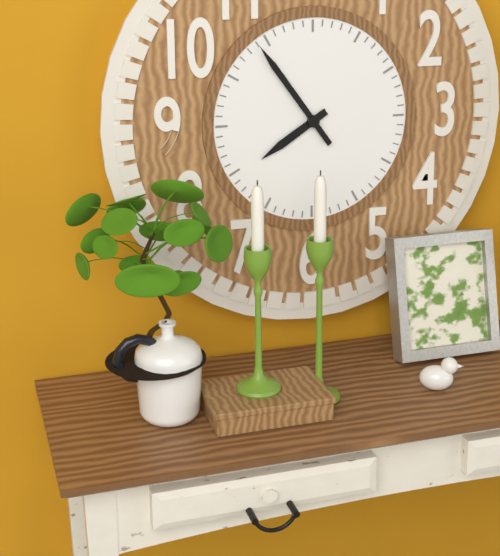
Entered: 7.54
